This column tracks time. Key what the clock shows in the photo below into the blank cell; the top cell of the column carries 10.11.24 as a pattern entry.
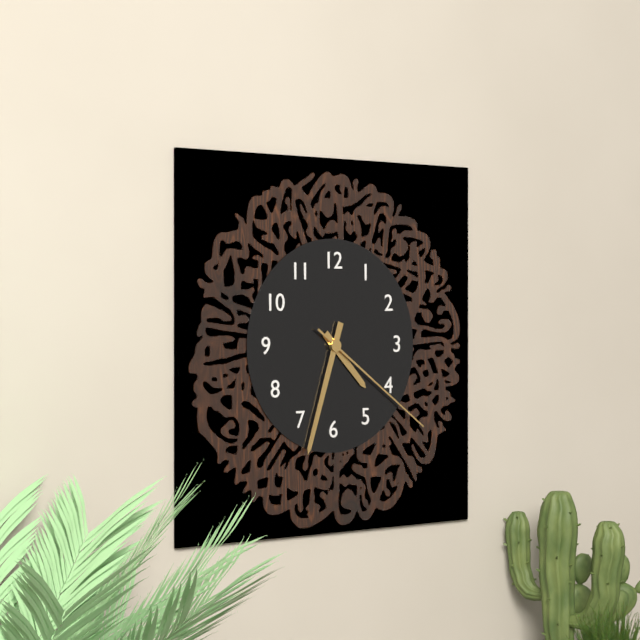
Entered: 4.33.21
